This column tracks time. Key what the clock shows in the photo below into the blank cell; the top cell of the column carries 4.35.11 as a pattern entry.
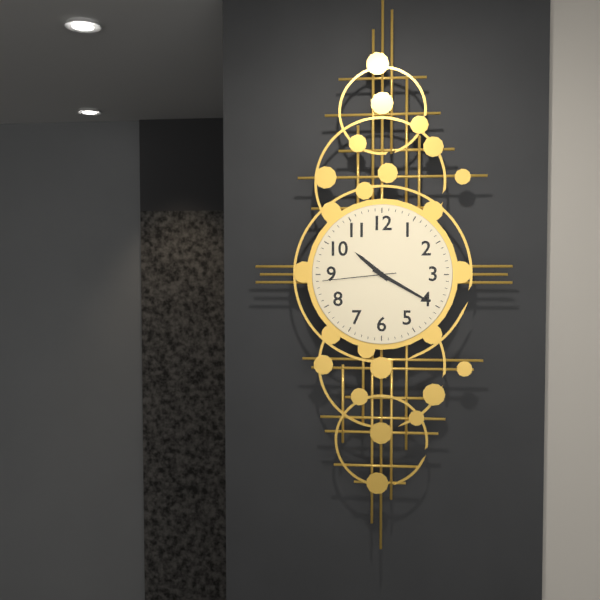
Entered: 10.20.44
